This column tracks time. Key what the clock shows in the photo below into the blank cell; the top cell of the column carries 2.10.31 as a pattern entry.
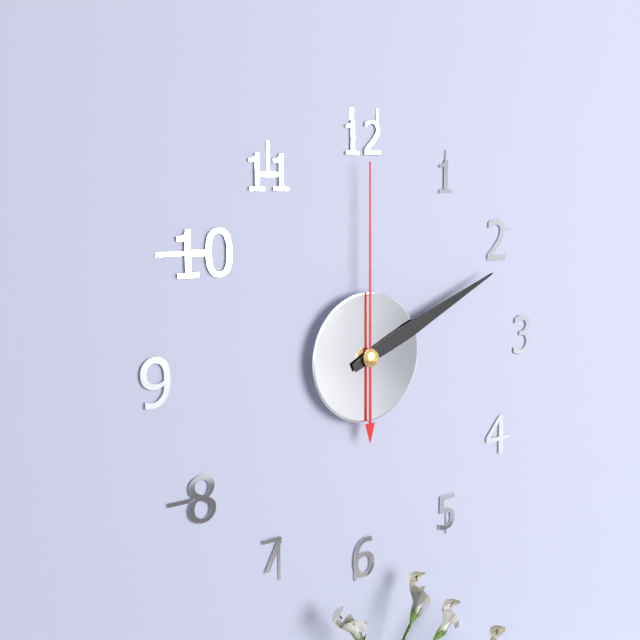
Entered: 2.11.00
